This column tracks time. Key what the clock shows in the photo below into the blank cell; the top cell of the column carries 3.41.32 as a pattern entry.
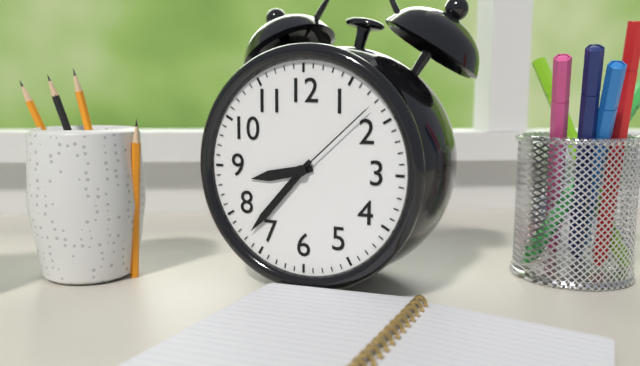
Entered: 8.37.08
